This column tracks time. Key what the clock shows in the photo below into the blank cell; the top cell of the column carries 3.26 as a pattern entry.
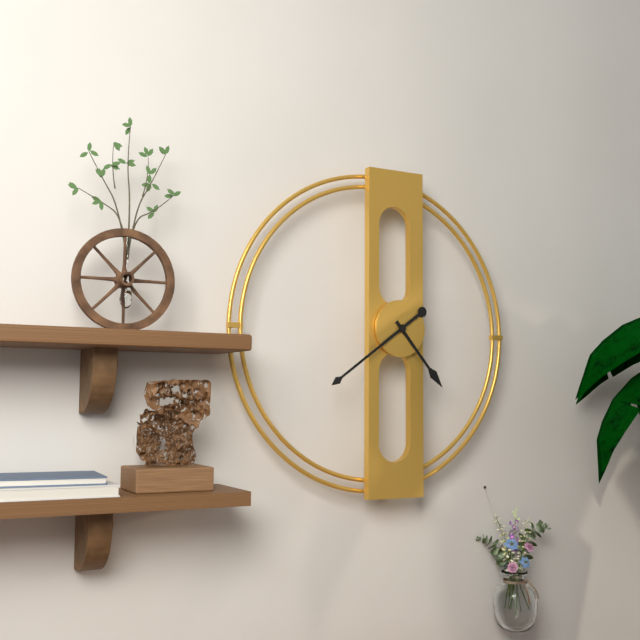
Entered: 4.39
